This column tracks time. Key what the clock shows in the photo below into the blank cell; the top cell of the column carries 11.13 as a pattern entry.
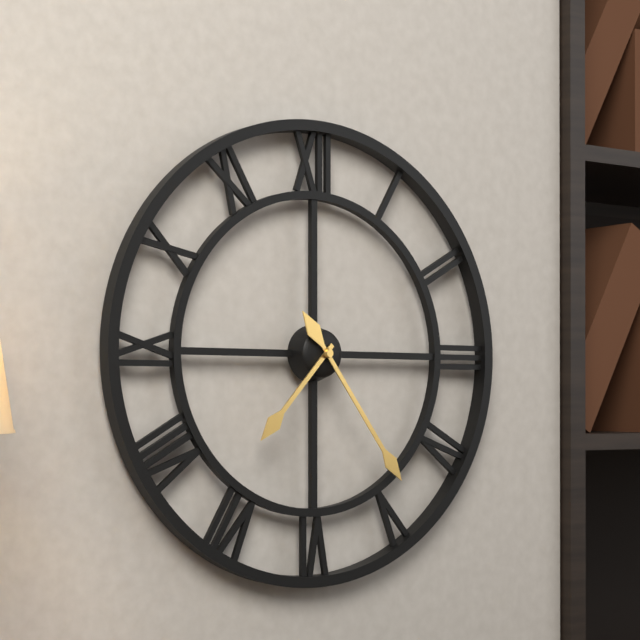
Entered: 7.24
